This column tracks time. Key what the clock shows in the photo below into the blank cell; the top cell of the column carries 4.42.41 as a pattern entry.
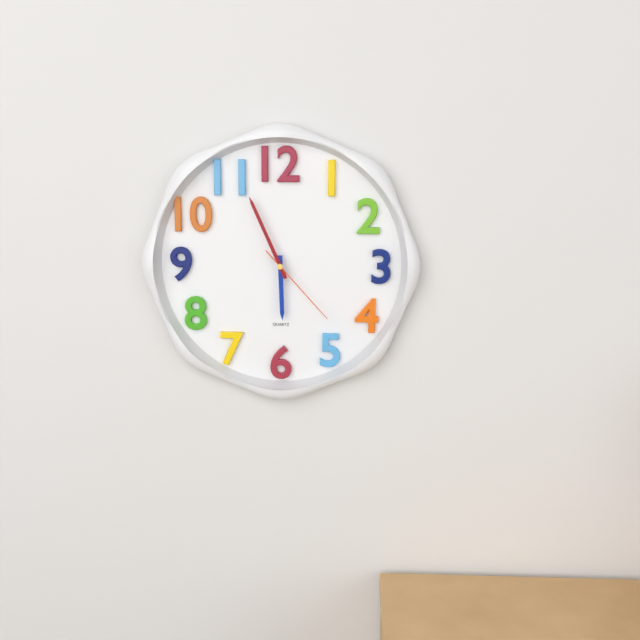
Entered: 5.56.23
